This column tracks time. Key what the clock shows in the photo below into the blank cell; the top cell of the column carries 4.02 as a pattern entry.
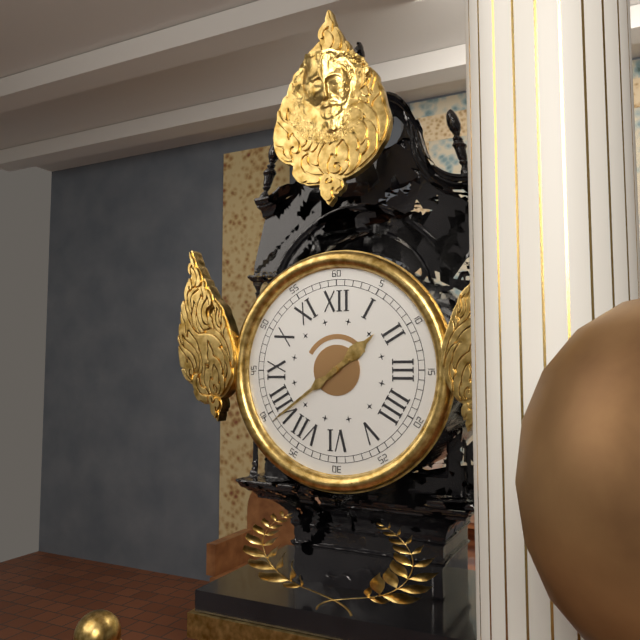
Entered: 1.39
